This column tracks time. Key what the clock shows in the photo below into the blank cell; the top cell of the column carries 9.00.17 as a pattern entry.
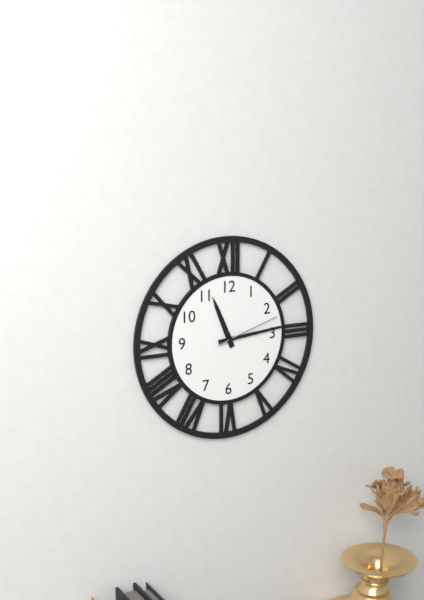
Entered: 11.14.12
